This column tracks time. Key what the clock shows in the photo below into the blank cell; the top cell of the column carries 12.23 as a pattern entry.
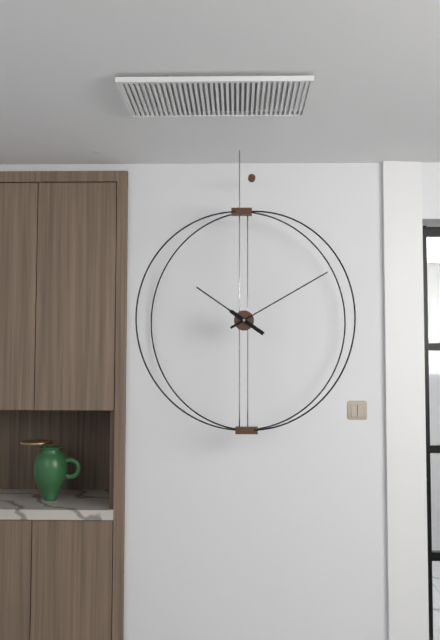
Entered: 10.10
